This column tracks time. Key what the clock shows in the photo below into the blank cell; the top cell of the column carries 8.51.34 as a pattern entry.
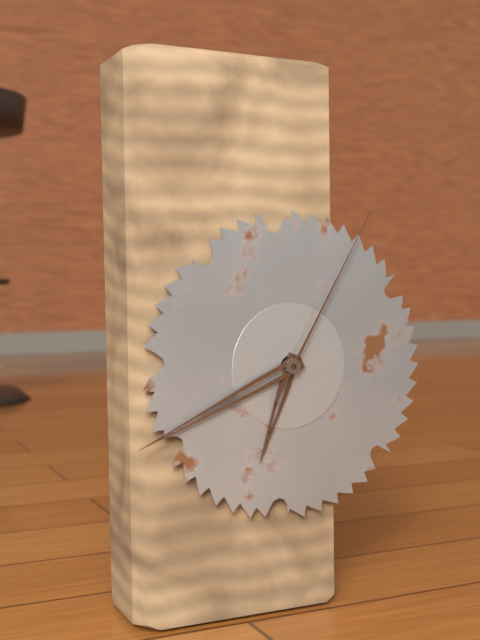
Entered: 6.41.05
